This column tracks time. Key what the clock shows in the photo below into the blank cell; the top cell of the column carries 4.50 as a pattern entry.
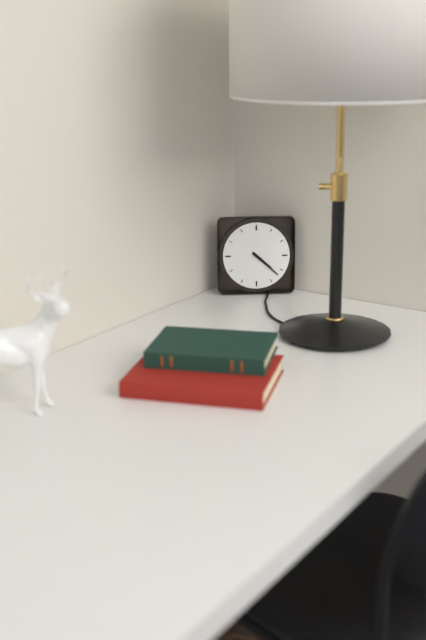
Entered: 4.22
